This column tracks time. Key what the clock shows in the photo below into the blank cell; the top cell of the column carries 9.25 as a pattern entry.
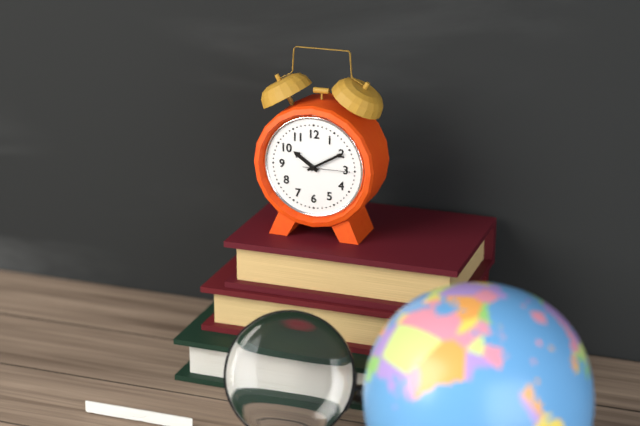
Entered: 10.10
